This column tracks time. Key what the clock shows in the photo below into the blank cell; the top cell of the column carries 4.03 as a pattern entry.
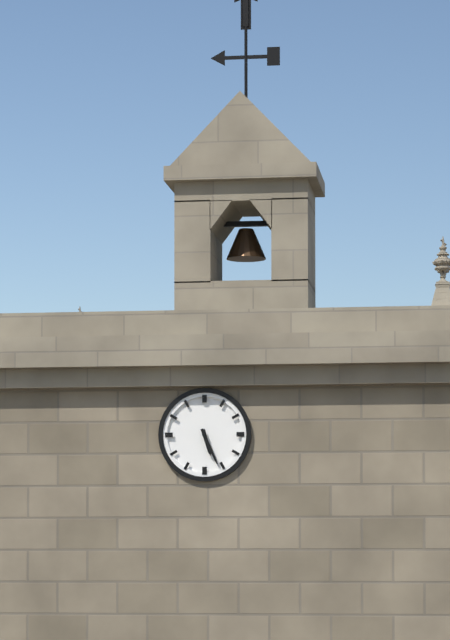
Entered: 5.26
